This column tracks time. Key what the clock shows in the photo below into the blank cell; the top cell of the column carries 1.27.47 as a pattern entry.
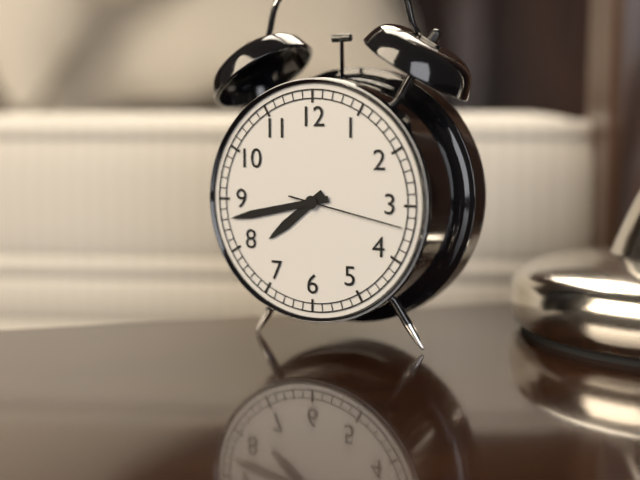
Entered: 7.43.17
